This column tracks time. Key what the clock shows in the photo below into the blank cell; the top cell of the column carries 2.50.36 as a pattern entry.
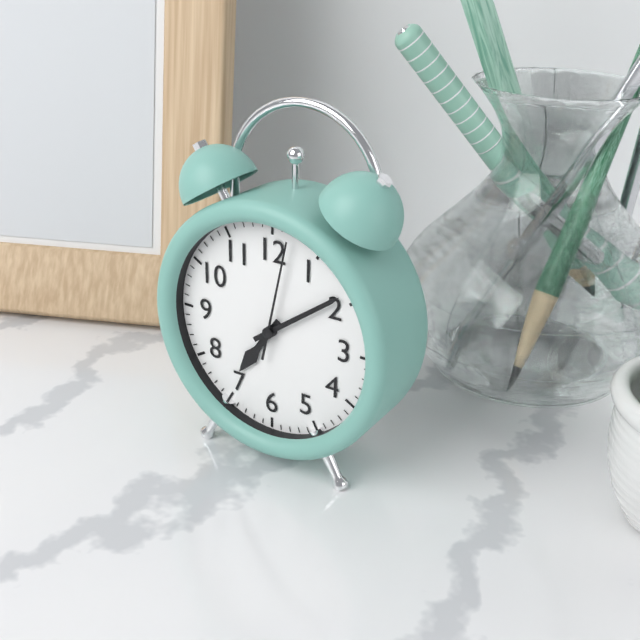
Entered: 7.09.02
